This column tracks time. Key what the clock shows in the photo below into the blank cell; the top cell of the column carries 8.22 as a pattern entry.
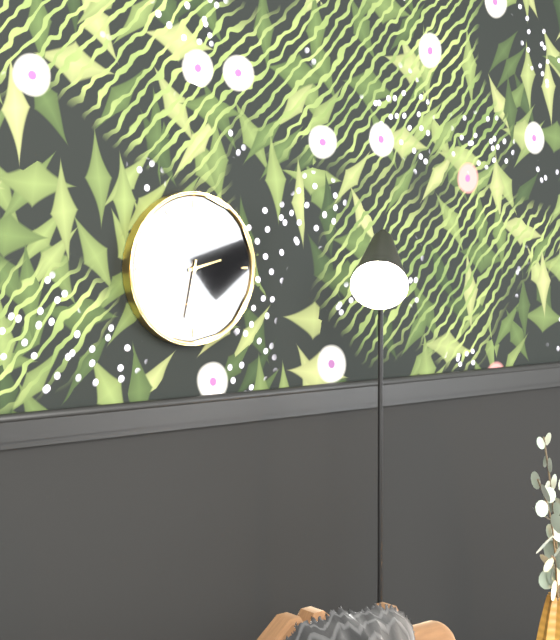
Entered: 2.32
